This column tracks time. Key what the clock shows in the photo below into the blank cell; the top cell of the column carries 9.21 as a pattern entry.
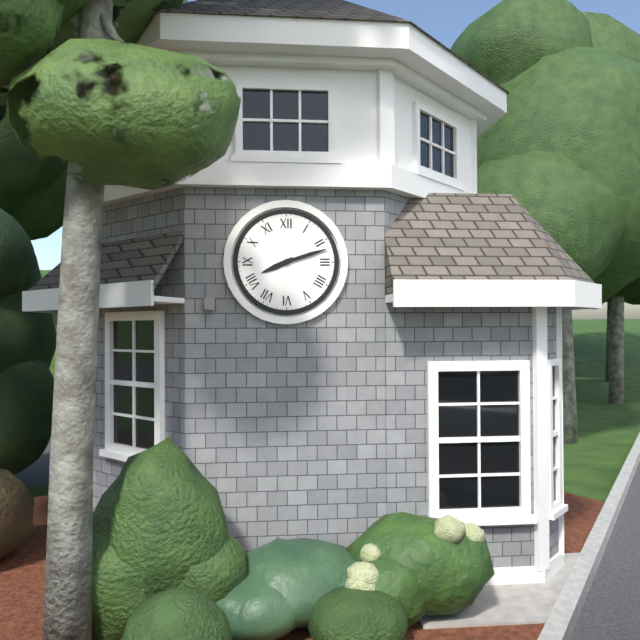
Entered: 8.12
